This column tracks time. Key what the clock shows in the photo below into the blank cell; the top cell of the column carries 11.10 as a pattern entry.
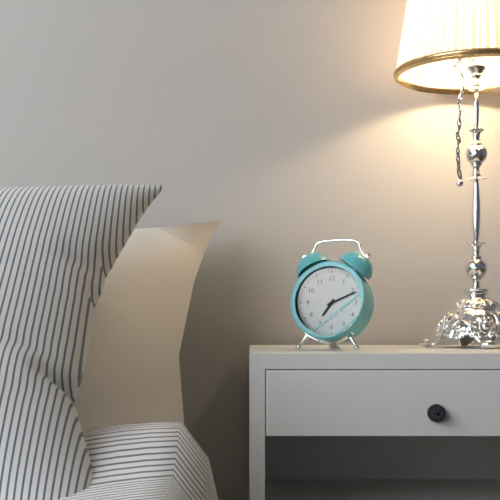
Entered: 7.11
